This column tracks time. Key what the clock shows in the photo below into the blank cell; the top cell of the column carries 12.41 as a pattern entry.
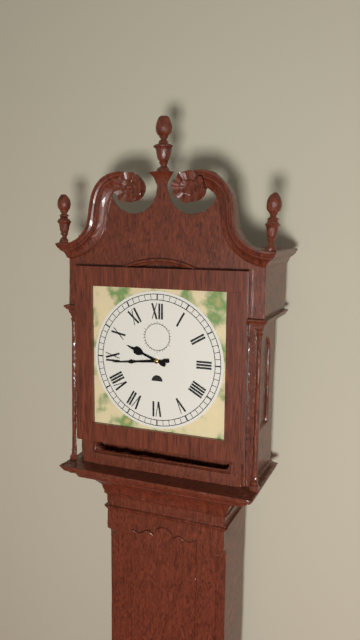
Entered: 9.44
